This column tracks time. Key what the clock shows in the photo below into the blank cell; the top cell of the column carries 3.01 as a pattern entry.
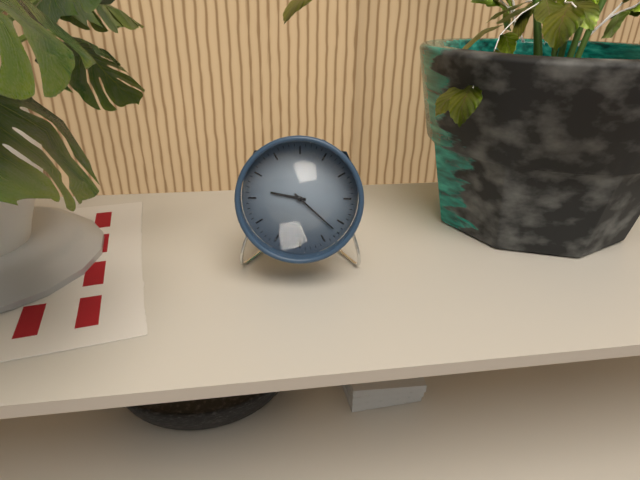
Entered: 9.22
